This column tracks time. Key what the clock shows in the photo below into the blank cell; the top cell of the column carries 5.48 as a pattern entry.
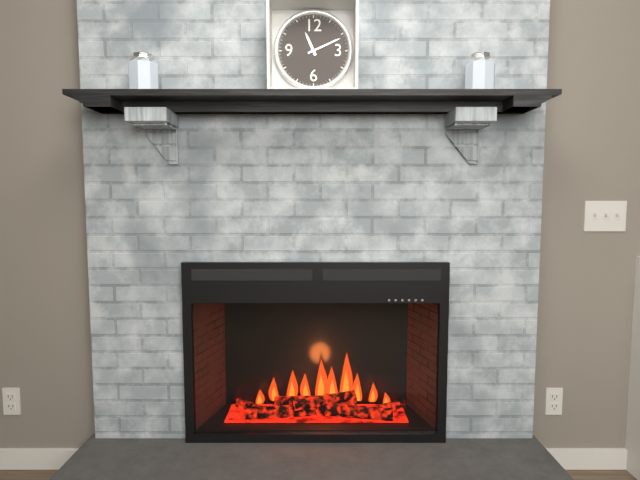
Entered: 11.11
